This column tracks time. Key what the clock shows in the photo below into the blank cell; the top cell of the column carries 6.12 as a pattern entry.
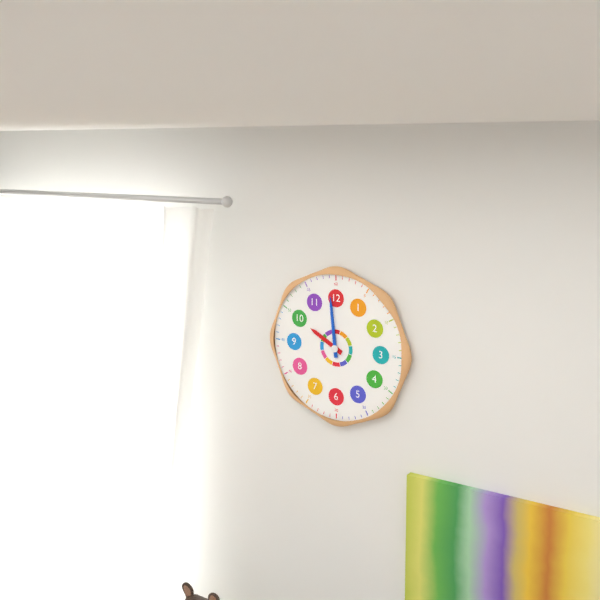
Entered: 9.59
